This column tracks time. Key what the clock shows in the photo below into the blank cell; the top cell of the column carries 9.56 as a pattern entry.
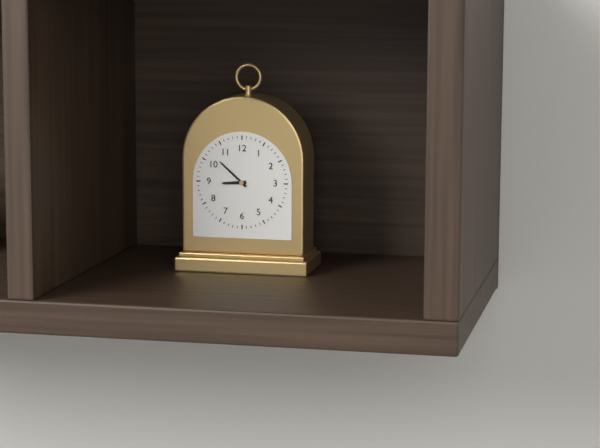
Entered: 8.52
